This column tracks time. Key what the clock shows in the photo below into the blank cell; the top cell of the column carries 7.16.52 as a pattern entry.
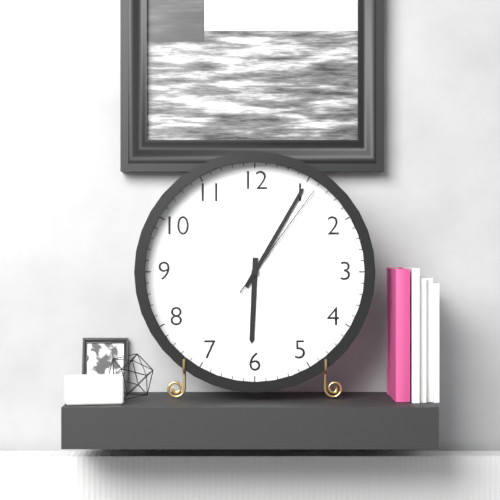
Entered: 6.05.06
